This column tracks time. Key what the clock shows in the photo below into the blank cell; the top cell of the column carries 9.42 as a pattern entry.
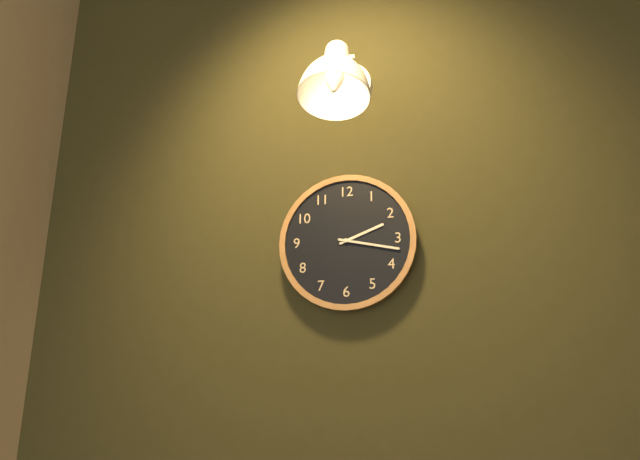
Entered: 2.17
